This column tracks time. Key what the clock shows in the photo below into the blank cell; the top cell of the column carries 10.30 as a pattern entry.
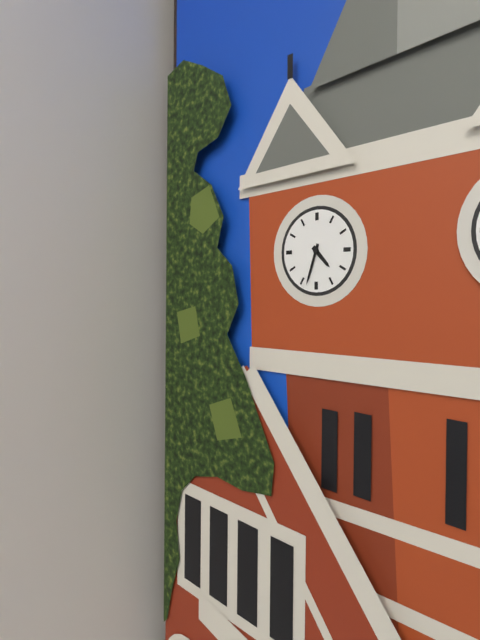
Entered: 4.33
